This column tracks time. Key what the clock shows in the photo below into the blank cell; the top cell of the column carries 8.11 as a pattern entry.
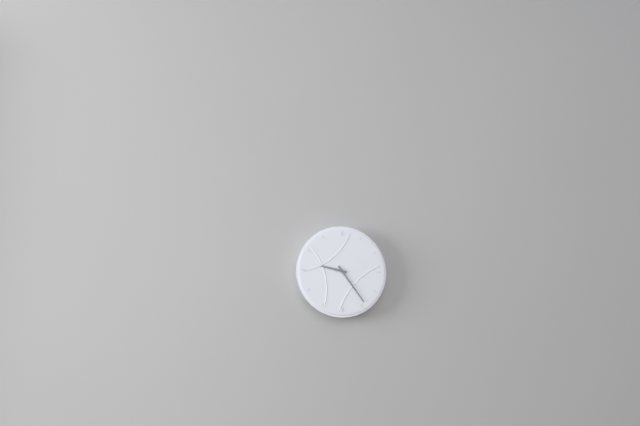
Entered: 9.24
